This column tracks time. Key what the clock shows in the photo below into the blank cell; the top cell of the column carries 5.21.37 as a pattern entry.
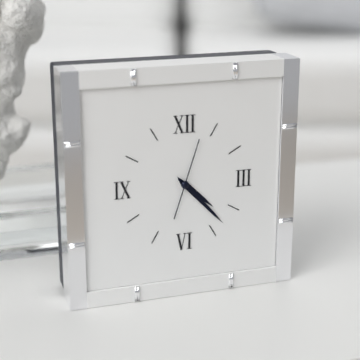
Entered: 4.23.03
